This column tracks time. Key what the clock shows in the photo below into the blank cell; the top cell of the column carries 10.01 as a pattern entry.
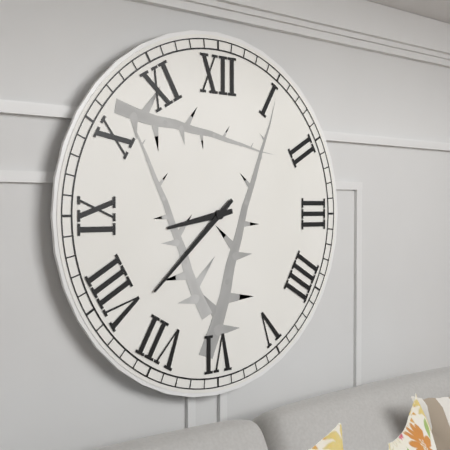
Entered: 8.38
